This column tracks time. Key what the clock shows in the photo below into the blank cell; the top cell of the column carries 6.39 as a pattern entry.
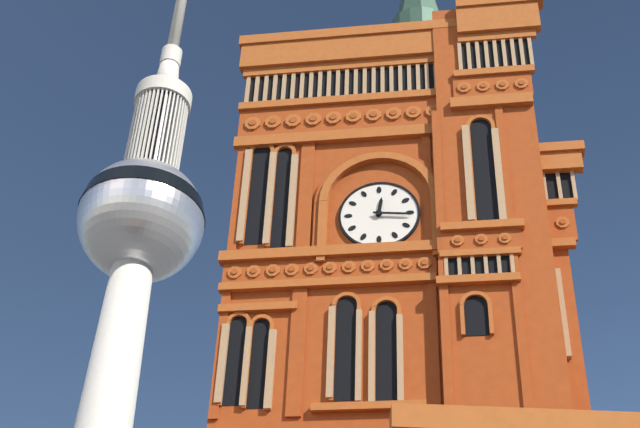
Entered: 12.16
